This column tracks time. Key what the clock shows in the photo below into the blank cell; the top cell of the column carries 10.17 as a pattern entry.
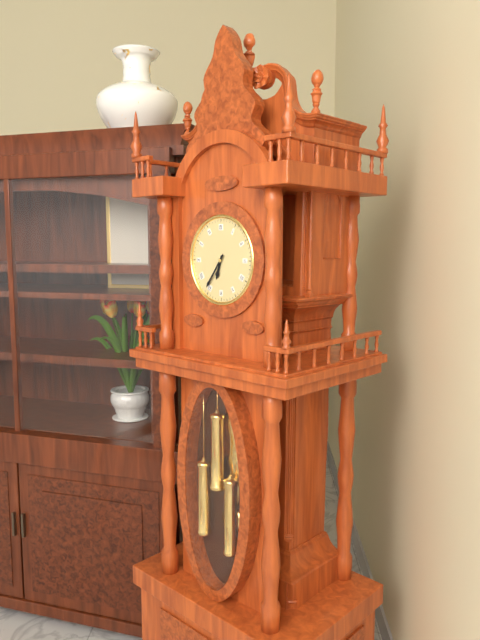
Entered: 6.36
